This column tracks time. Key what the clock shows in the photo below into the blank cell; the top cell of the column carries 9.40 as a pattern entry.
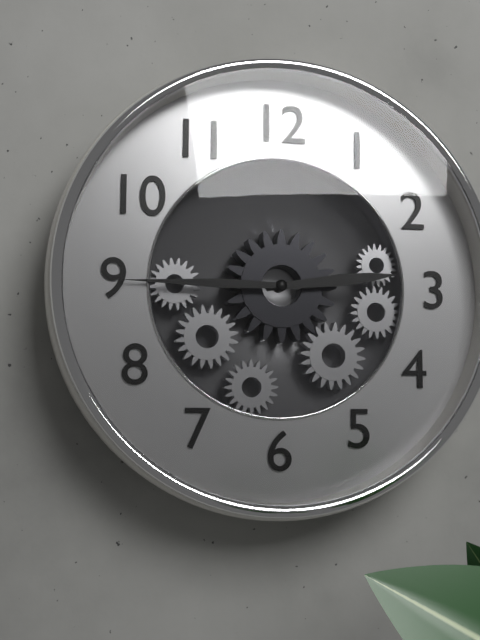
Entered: 2.45
